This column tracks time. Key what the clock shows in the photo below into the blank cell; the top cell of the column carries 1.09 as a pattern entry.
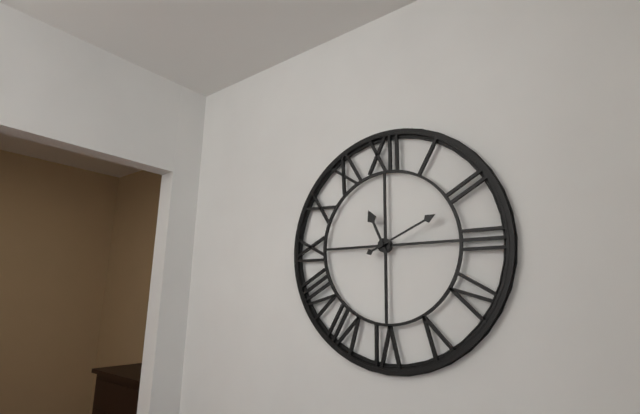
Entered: 11.11
